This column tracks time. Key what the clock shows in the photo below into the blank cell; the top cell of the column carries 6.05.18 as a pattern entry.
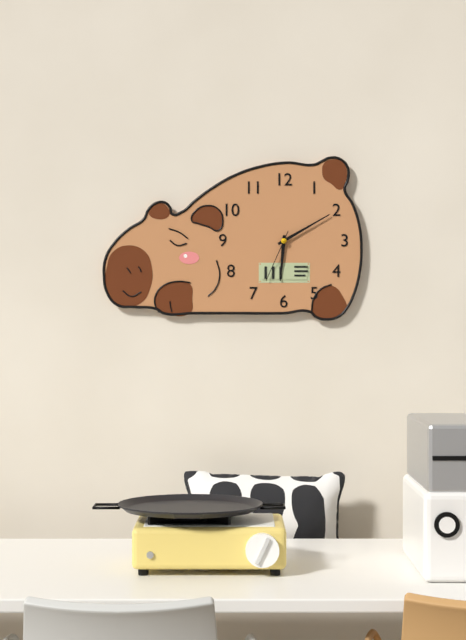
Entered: 6.10.34
